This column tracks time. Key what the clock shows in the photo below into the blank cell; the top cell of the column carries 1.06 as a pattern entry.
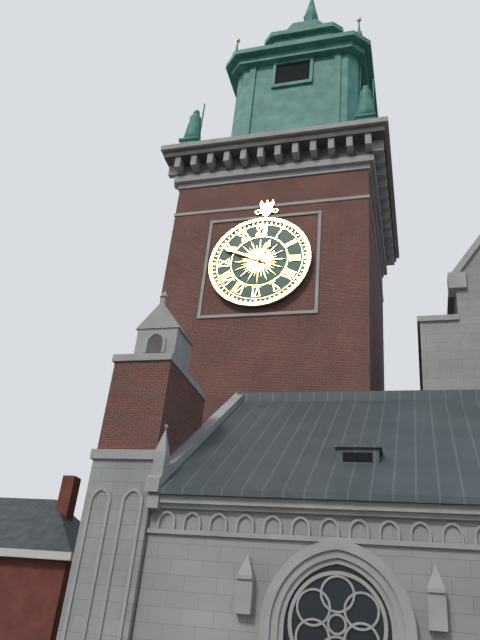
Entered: 12.49
